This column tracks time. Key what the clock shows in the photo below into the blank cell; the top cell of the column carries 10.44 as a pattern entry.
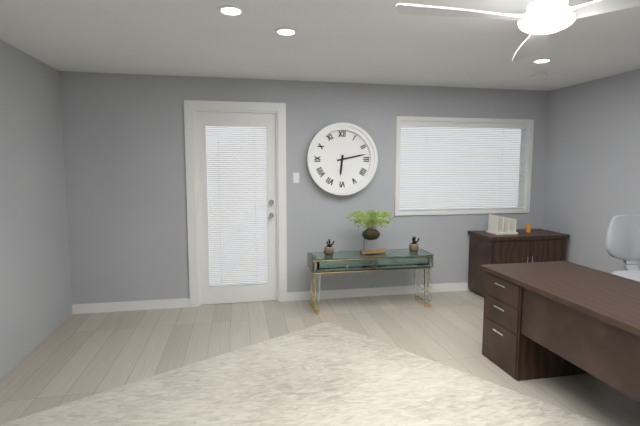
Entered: 6.13
